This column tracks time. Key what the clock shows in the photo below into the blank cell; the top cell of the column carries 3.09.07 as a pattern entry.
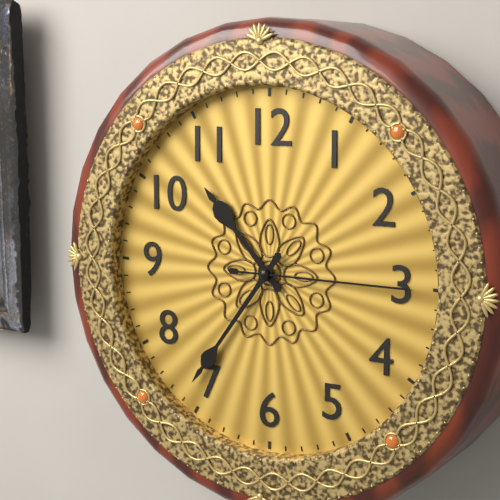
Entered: 10.36.15
